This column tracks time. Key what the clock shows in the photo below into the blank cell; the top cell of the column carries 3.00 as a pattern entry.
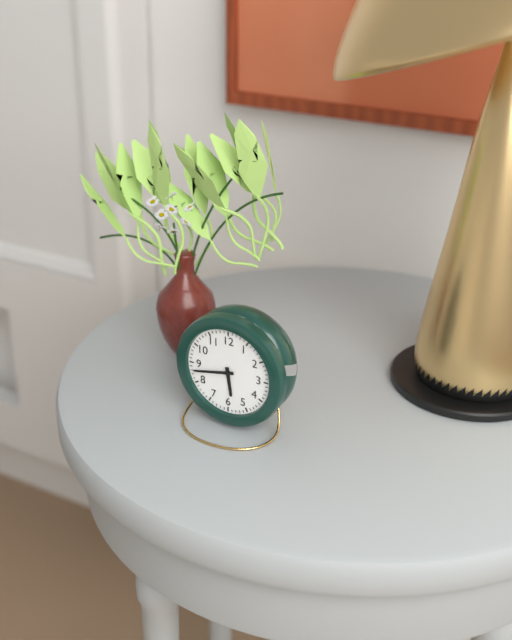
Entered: 5.43
